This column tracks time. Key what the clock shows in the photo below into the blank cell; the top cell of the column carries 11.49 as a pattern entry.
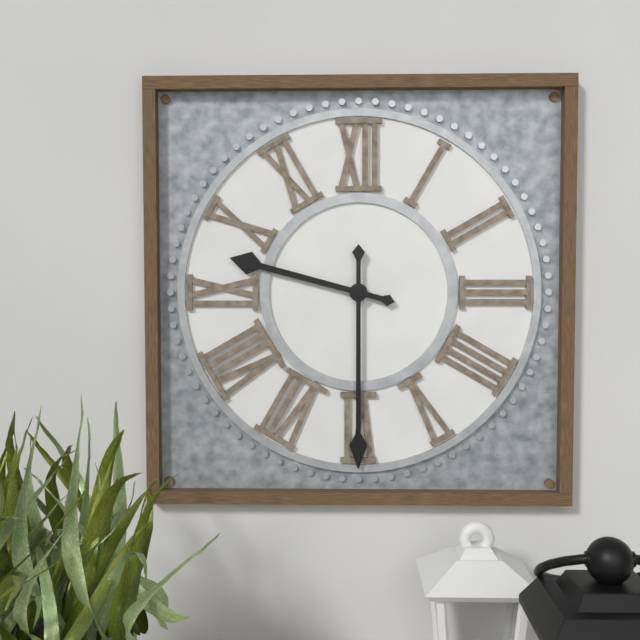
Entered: 9.30
